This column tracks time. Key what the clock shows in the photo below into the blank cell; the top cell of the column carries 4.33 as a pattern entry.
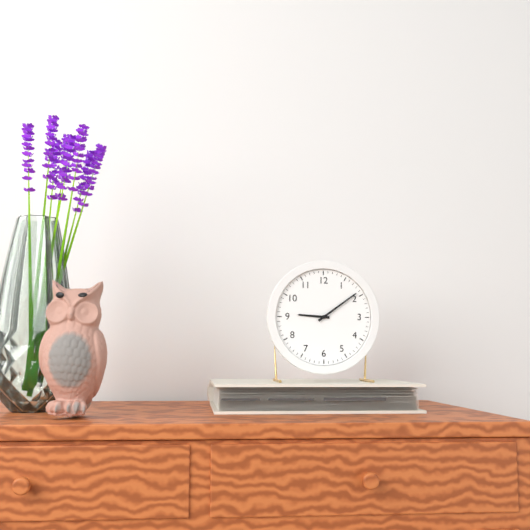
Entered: 9.09
